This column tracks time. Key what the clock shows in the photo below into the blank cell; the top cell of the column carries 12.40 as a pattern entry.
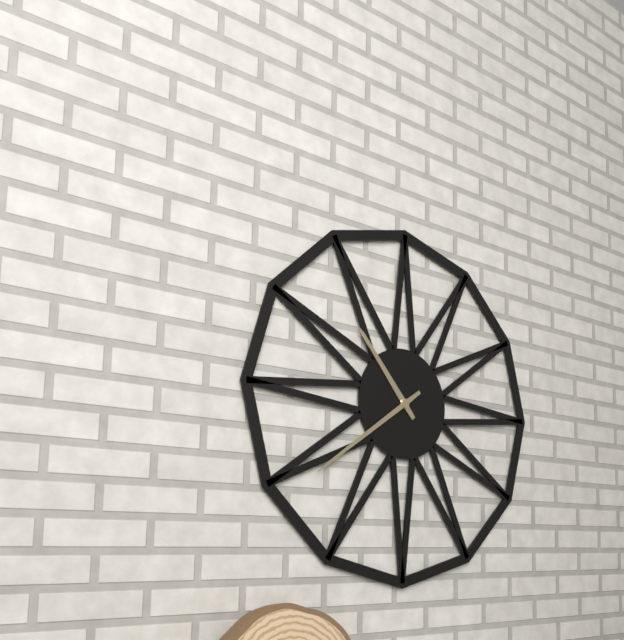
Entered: 10.39
